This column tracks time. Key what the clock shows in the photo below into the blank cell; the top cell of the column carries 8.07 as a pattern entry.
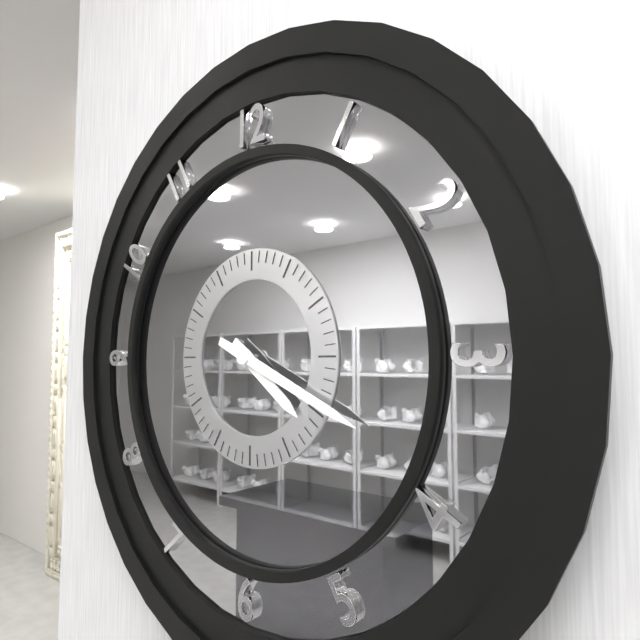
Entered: 4.19
